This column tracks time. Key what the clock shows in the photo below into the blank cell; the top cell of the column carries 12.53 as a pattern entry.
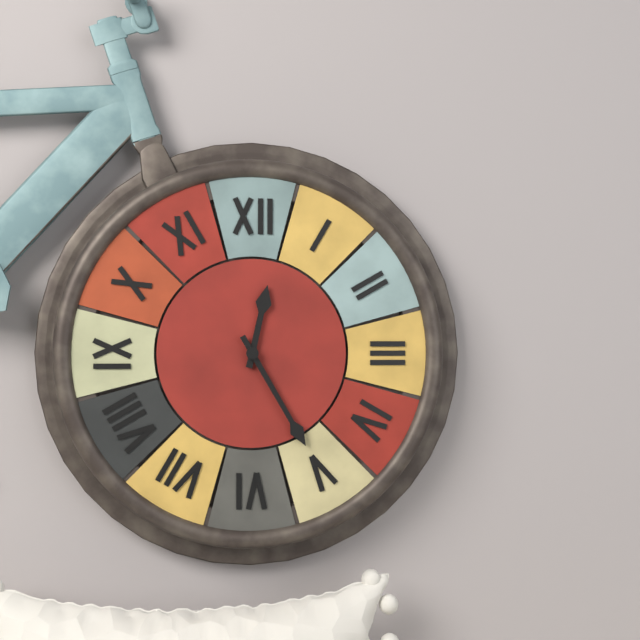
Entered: 12.25
